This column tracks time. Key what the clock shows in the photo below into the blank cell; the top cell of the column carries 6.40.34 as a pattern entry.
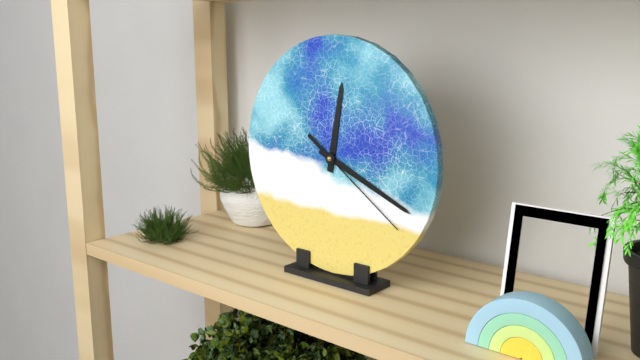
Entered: 12.19.21
